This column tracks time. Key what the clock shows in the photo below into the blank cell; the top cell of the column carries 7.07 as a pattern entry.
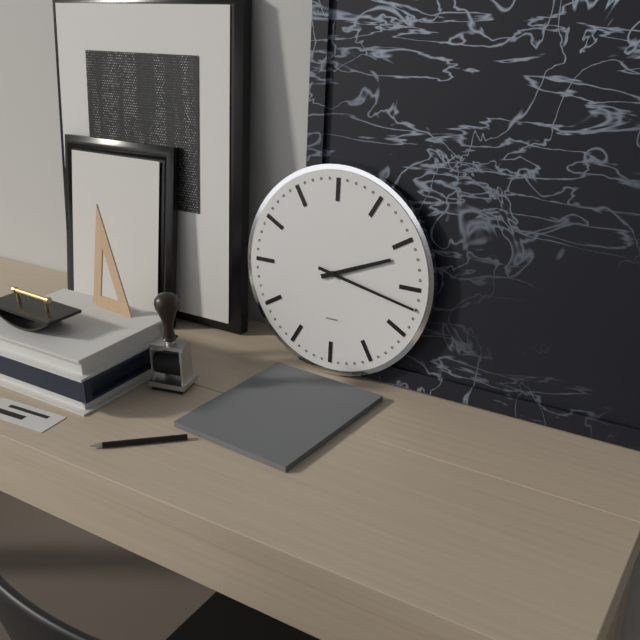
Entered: 2.17
